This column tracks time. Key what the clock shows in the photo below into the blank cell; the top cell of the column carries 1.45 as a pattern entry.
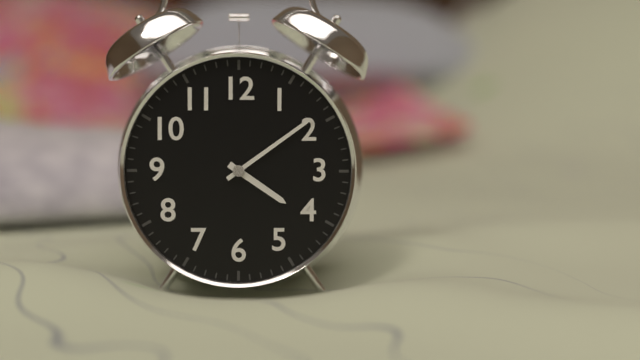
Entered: 4.09
